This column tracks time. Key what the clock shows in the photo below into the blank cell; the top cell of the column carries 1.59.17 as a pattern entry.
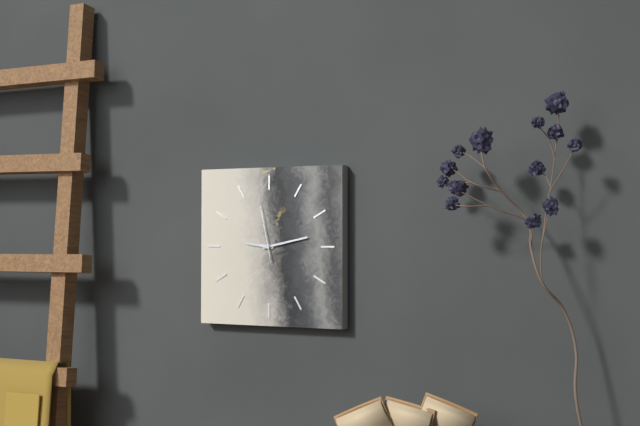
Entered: 9.13.58
